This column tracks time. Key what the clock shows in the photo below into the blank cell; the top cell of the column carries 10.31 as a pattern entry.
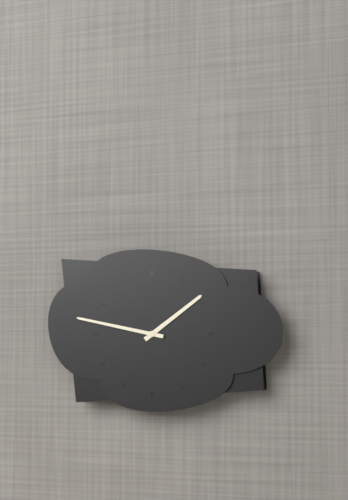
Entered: 1.47
